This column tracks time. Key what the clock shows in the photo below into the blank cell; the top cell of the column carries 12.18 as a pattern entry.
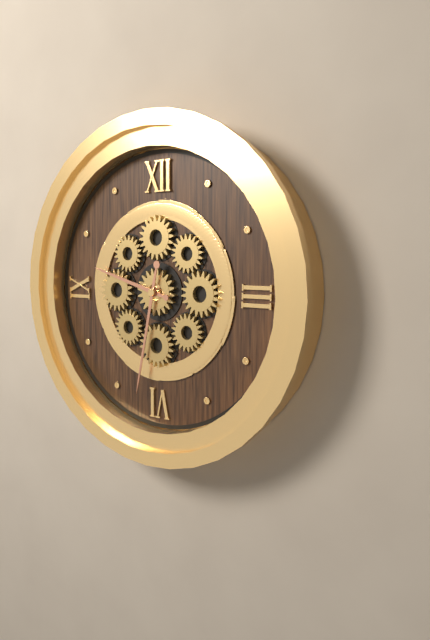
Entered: 9.32
